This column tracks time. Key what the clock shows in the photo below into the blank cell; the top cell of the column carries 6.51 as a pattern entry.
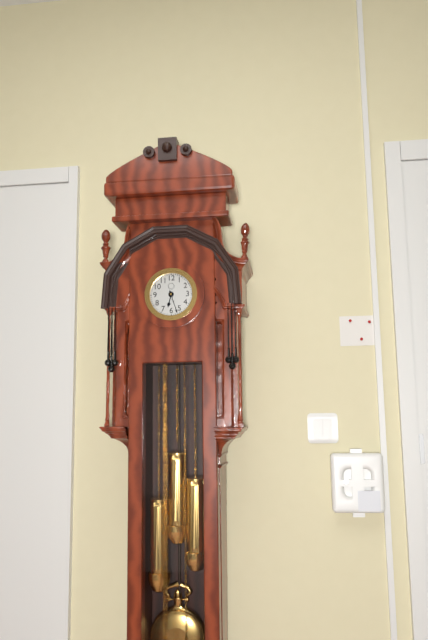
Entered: 6.27
